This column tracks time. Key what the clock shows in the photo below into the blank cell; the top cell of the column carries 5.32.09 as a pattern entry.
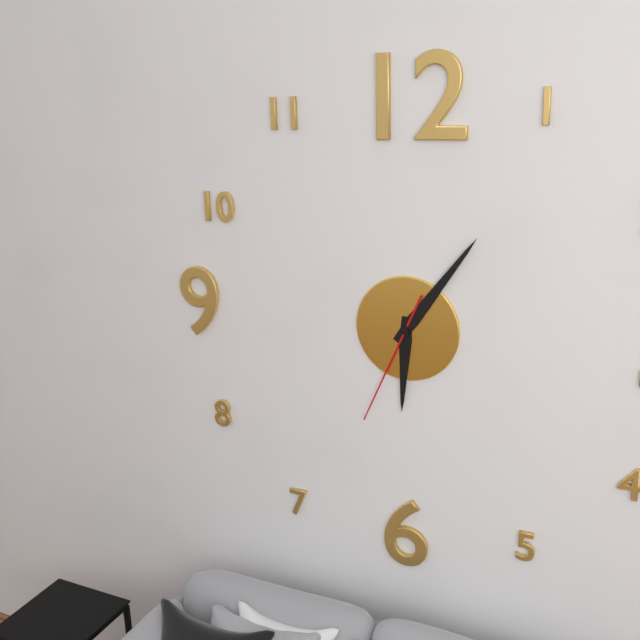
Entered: 6.06.34
